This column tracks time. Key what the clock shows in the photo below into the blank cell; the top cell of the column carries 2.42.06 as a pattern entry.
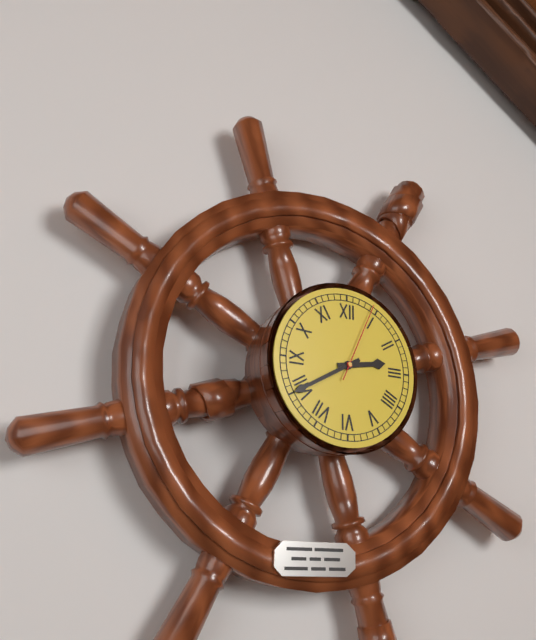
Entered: 2.40.04
